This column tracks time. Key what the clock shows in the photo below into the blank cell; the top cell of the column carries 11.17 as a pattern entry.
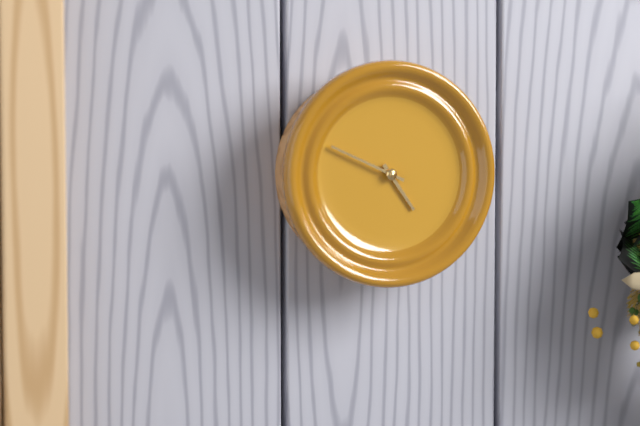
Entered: 4.49
